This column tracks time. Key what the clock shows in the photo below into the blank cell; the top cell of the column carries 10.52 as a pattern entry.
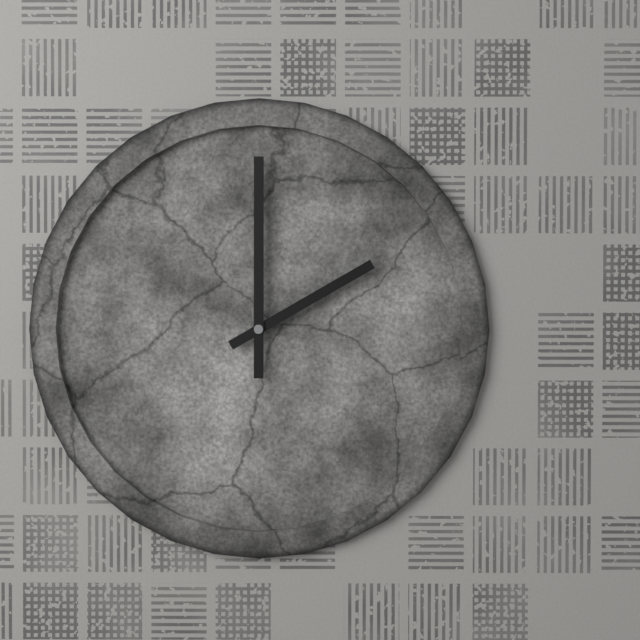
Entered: 2.00
